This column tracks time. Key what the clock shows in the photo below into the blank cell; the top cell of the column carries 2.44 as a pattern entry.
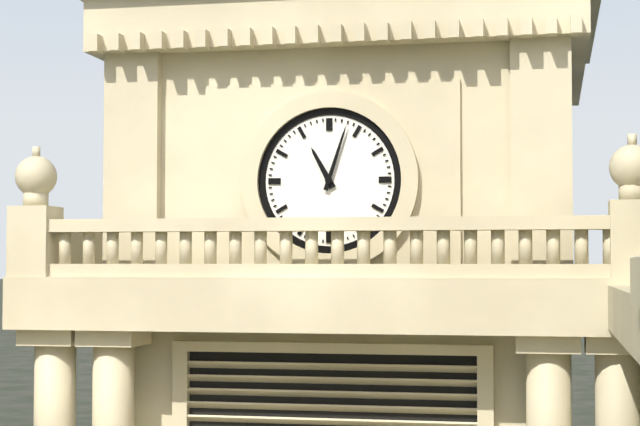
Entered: 11.03
